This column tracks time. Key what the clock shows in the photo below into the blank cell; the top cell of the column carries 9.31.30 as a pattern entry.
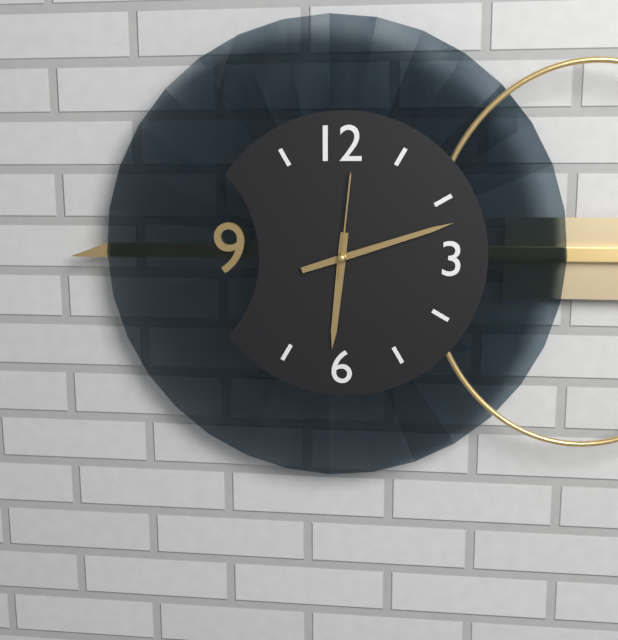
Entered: 6.12.01
